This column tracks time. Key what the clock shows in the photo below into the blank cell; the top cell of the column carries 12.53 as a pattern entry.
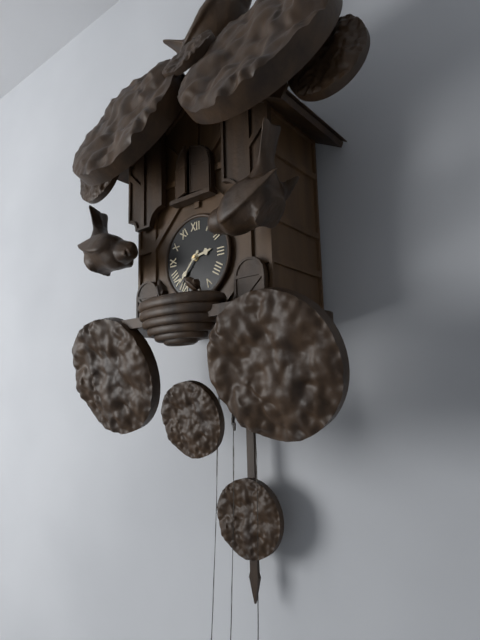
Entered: 2.37
